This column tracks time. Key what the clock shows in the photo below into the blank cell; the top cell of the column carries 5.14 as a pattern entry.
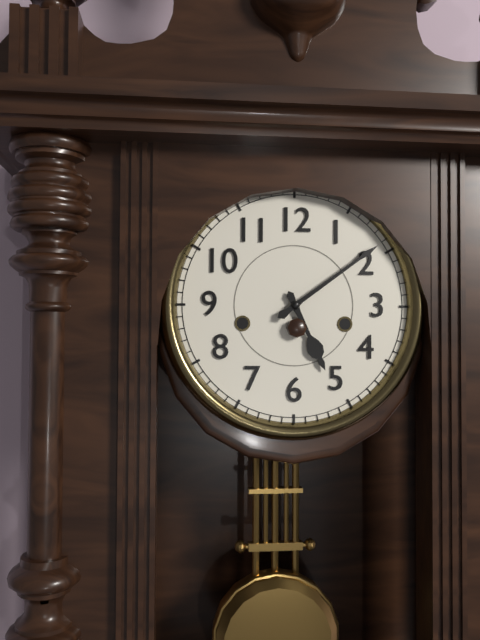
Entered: 5.09
